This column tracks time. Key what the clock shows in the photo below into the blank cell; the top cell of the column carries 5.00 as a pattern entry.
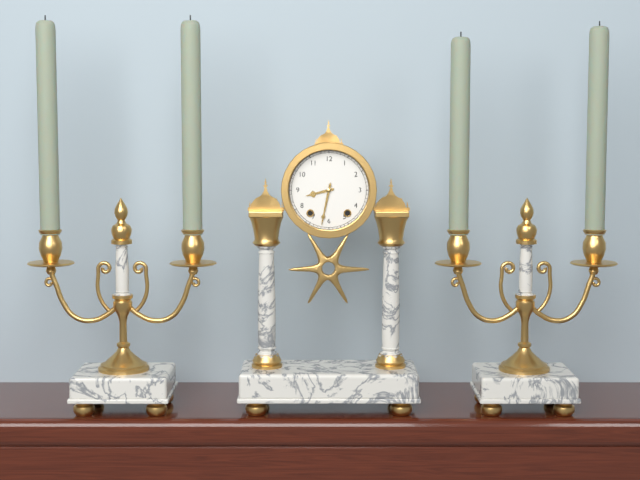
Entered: 8.32
